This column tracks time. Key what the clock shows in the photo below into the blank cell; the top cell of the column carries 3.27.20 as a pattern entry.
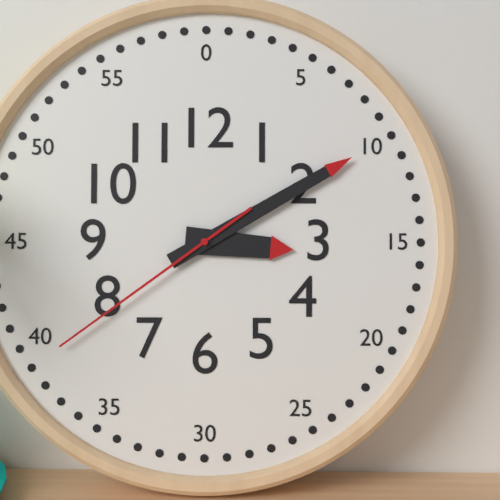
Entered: 3.10.39
